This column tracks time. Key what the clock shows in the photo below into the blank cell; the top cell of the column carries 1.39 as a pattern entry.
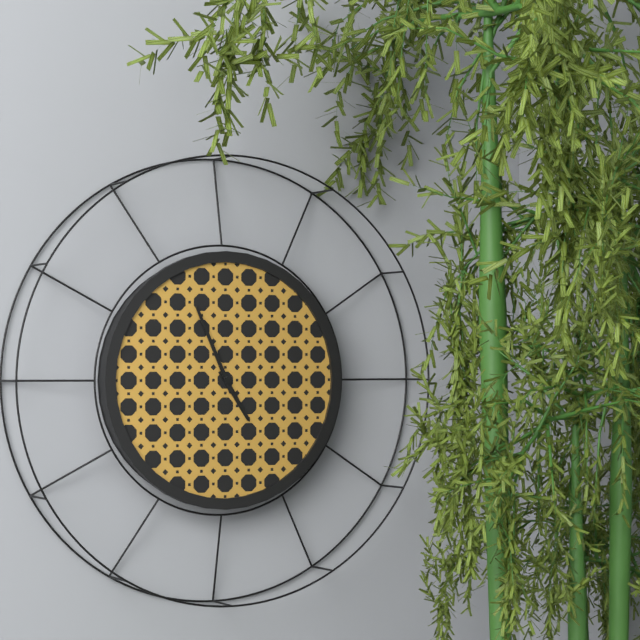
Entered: 4.56
